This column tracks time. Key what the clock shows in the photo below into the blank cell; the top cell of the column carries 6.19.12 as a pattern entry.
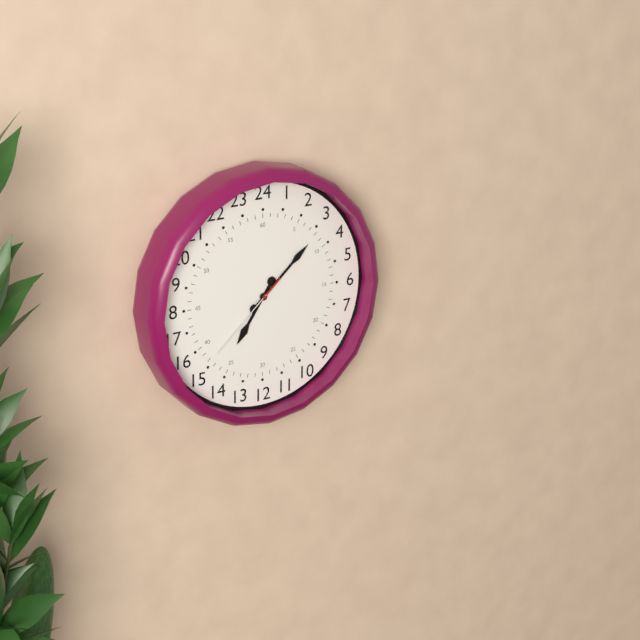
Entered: 7.08.38
